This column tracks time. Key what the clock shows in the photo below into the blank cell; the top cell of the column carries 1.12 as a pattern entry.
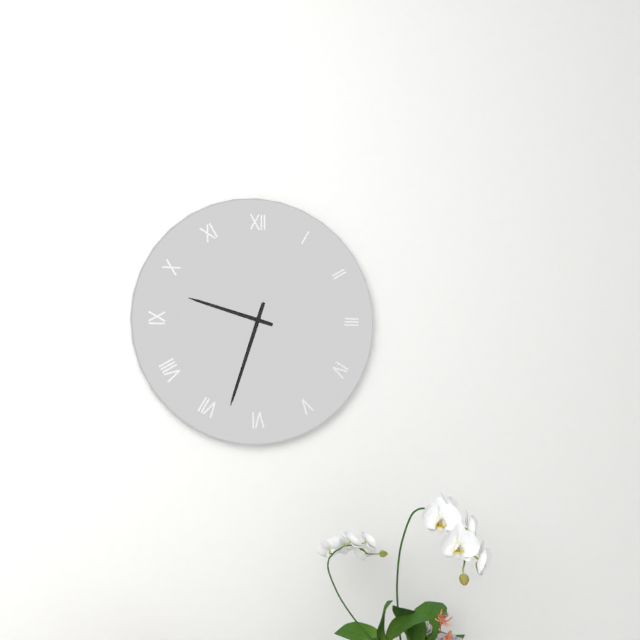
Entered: 9.33
